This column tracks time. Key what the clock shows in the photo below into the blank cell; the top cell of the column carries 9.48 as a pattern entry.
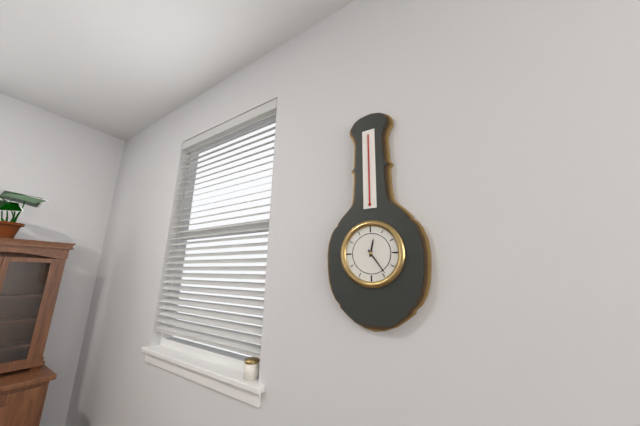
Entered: 12.24
